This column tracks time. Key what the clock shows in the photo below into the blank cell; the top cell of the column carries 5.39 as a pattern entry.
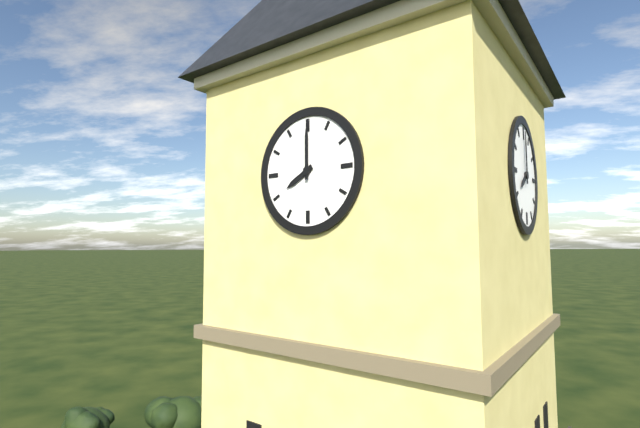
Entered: 8.00
